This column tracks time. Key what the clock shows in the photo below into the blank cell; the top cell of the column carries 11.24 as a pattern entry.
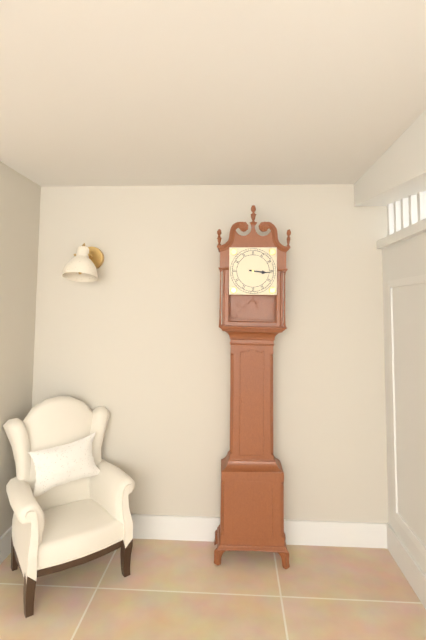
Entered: 3.16
